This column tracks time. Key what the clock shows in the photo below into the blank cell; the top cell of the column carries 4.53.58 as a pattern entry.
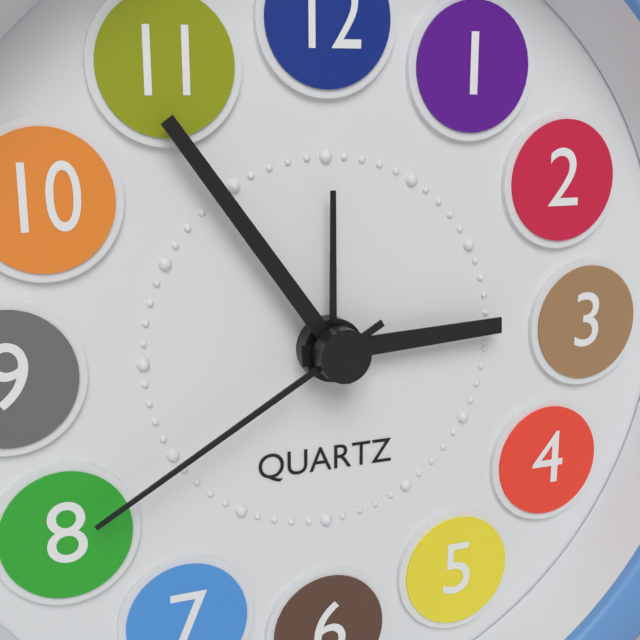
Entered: 2.54.40
